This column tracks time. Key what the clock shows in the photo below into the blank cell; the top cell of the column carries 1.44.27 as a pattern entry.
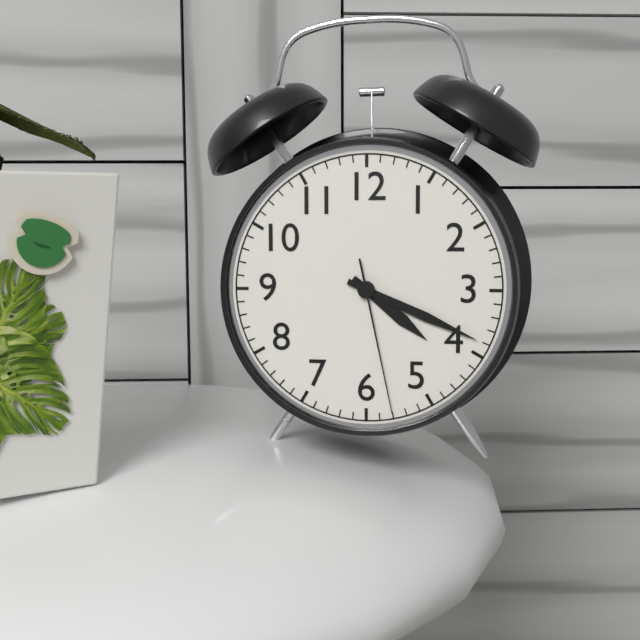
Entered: 4.19.28
